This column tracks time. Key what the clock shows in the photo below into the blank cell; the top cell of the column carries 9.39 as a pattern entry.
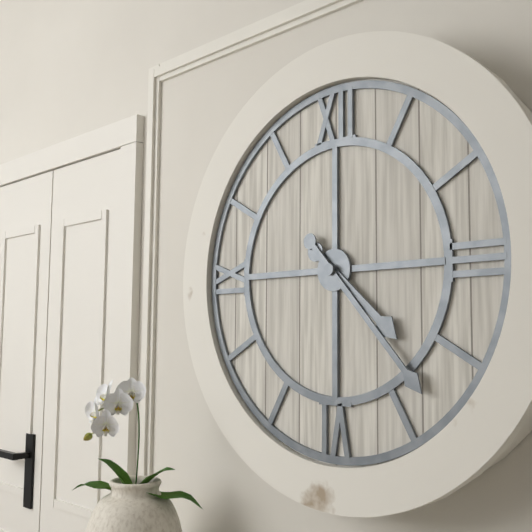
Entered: 4.23
